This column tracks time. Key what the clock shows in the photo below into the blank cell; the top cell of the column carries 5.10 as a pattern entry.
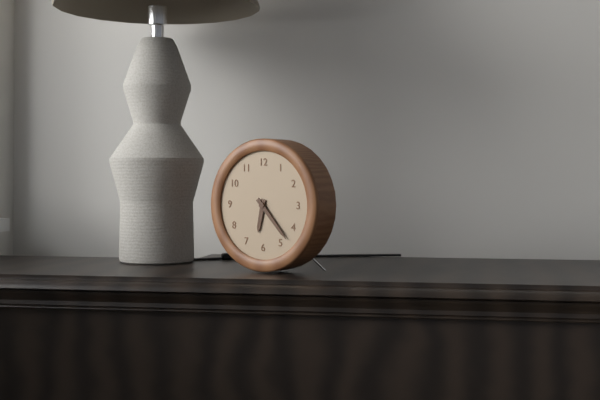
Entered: 6.23
